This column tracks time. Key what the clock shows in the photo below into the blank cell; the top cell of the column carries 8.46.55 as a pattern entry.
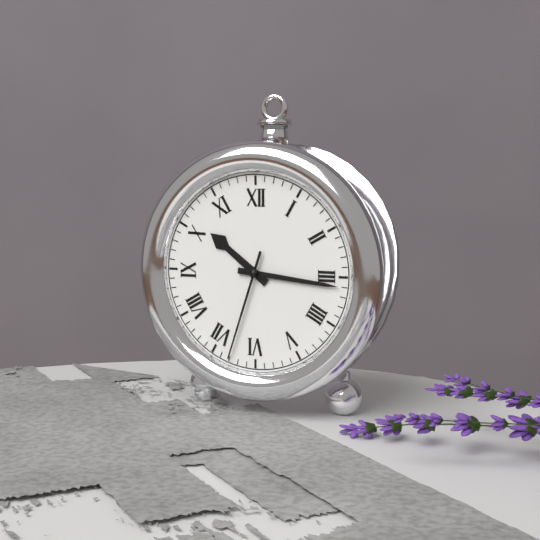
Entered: 10.16.33
